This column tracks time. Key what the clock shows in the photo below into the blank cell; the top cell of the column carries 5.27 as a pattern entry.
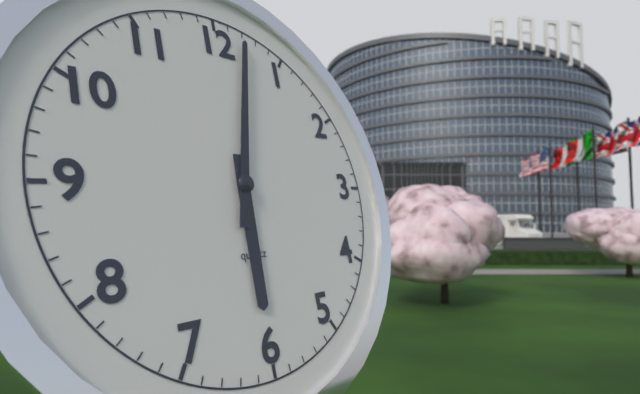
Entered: 6.02
